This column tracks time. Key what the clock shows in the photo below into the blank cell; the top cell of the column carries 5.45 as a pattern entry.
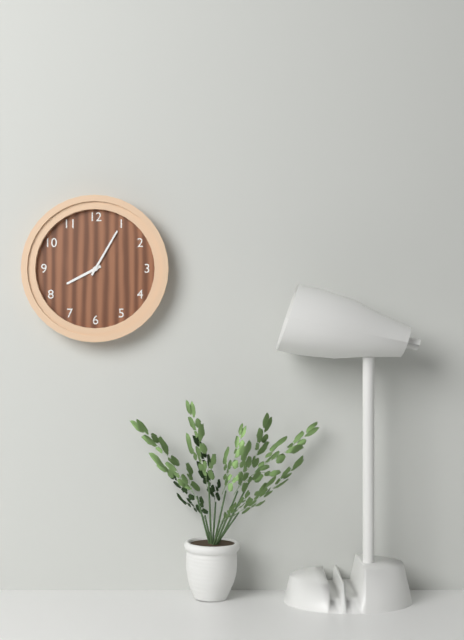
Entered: 8.05
